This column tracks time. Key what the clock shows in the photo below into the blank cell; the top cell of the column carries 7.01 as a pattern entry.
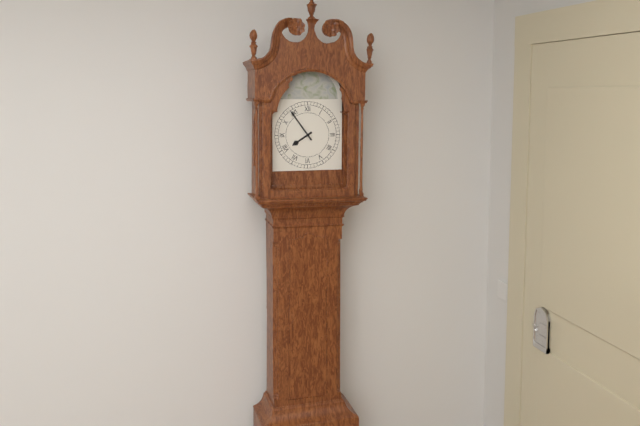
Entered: 7.54
